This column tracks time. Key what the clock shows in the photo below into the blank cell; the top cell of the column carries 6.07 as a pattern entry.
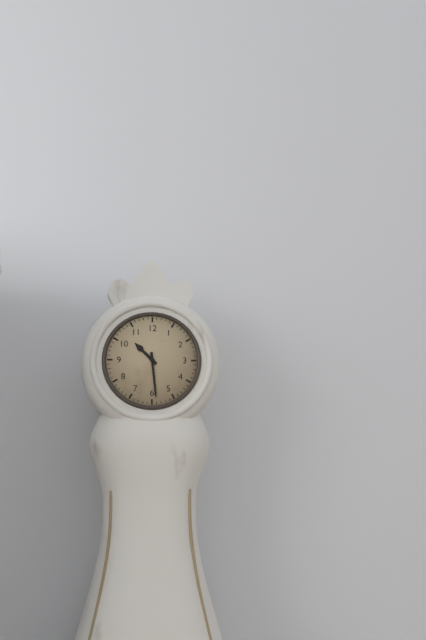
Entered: 10.29
